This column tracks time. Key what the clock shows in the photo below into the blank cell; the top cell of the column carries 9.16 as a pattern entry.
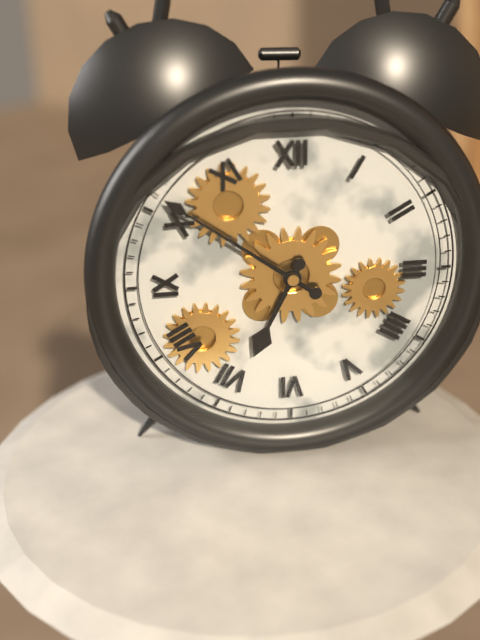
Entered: 6.51
